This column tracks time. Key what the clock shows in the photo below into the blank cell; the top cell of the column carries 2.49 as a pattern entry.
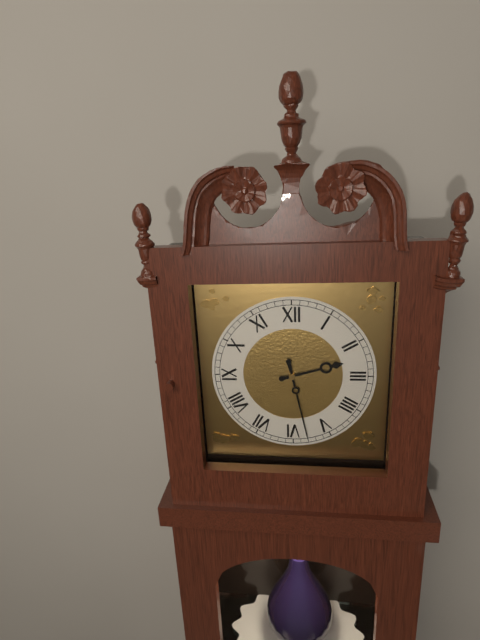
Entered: 2.28
